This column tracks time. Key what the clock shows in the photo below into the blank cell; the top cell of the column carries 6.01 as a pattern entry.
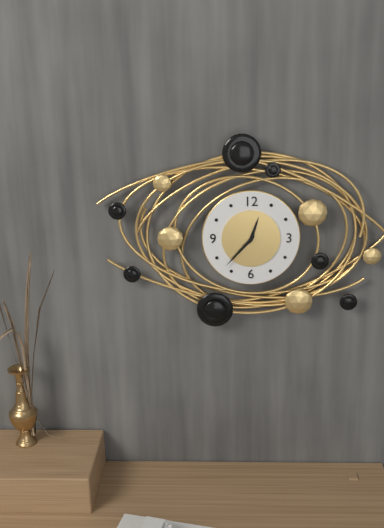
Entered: 12.37
